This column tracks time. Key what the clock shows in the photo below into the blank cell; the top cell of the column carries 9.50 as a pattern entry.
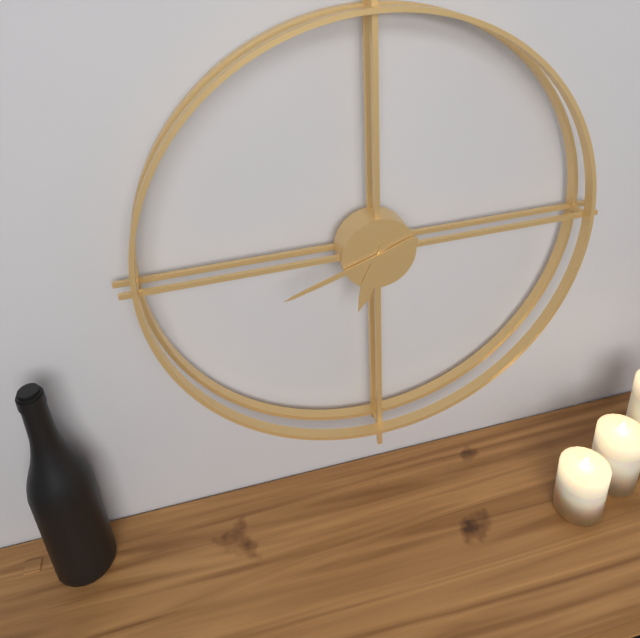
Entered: 6.42
